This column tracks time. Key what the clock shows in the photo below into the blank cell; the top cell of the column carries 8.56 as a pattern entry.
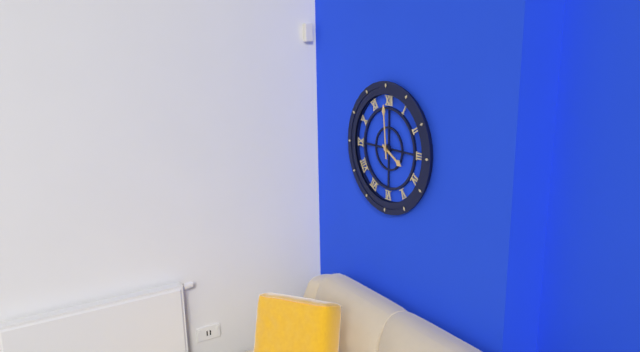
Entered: 3.59
